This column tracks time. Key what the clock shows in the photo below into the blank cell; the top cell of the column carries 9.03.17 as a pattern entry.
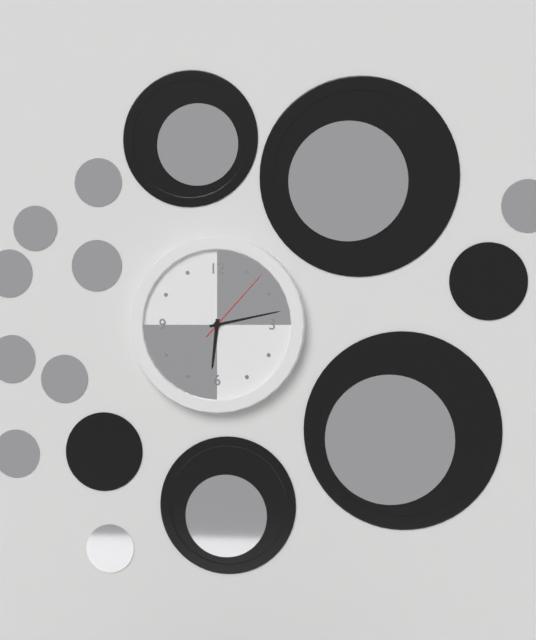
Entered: 6.13.07
